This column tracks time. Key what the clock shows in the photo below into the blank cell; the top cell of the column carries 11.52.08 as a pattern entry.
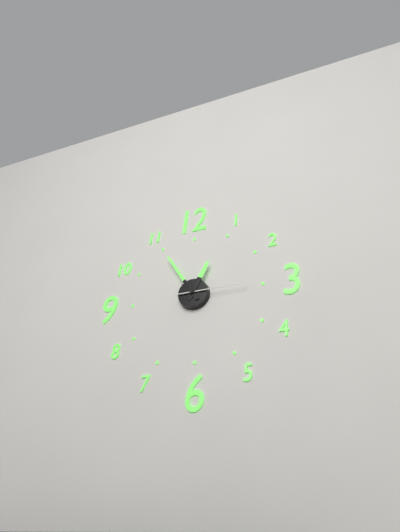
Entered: 12.55.15
